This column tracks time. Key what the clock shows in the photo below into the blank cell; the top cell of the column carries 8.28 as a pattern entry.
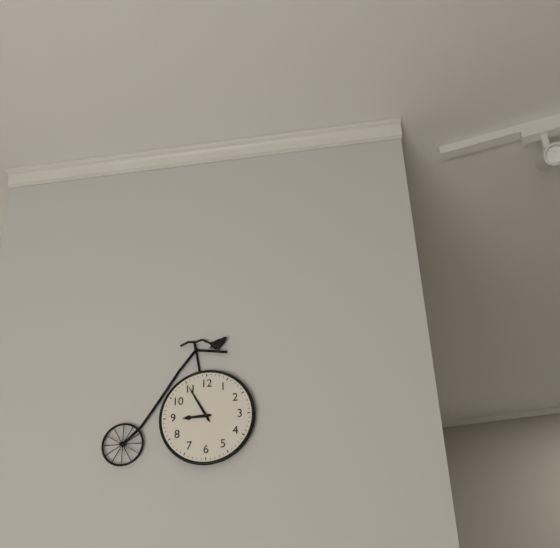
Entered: 8.55
